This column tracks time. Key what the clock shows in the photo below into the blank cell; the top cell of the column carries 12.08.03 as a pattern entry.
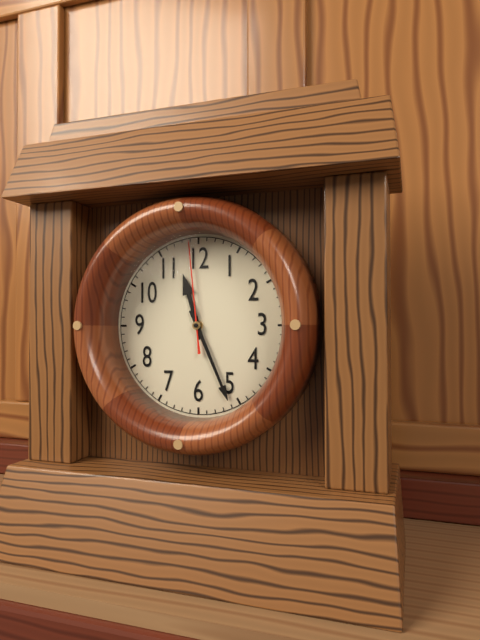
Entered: 11.26.59
